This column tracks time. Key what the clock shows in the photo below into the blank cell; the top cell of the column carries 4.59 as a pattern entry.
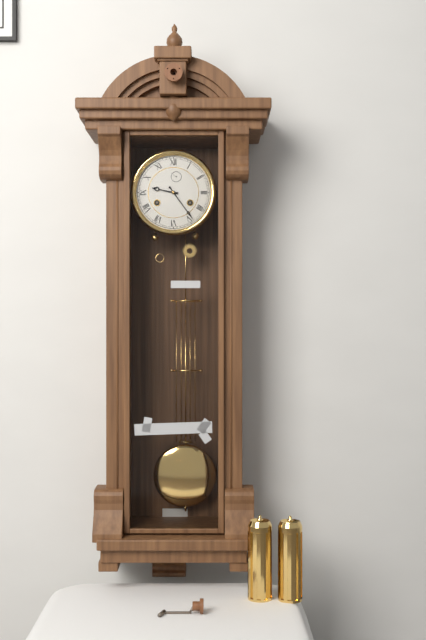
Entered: 9.24
